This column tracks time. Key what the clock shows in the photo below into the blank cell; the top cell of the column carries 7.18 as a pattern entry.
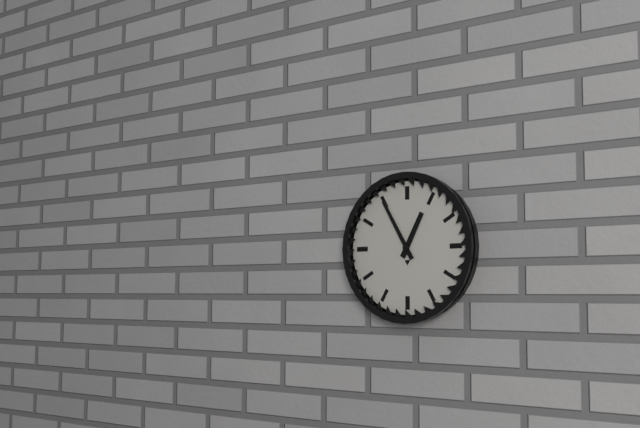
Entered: 12.55
